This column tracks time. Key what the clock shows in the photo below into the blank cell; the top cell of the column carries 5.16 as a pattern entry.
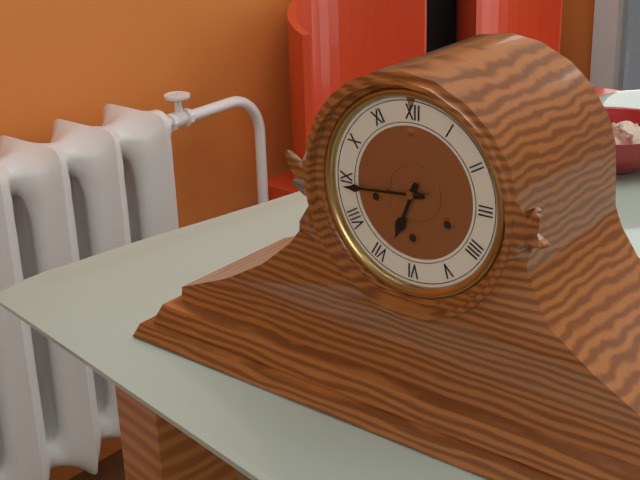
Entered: 6.44
